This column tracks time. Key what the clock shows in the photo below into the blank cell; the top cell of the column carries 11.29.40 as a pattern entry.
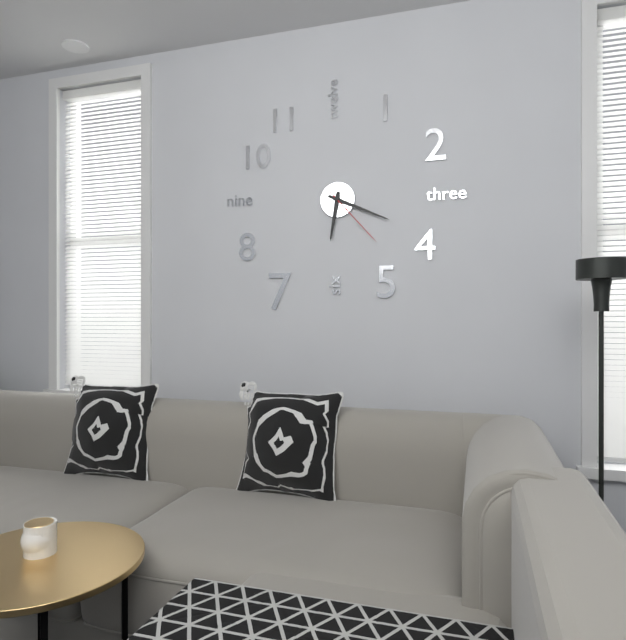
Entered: 6.19.23
